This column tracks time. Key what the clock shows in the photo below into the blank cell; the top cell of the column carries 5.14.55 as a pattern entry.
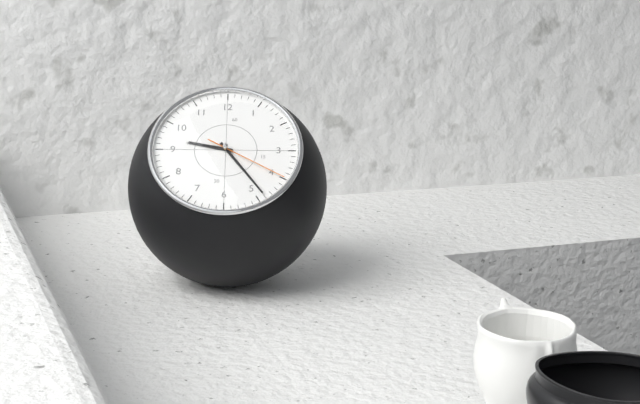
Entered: 9.24.20
